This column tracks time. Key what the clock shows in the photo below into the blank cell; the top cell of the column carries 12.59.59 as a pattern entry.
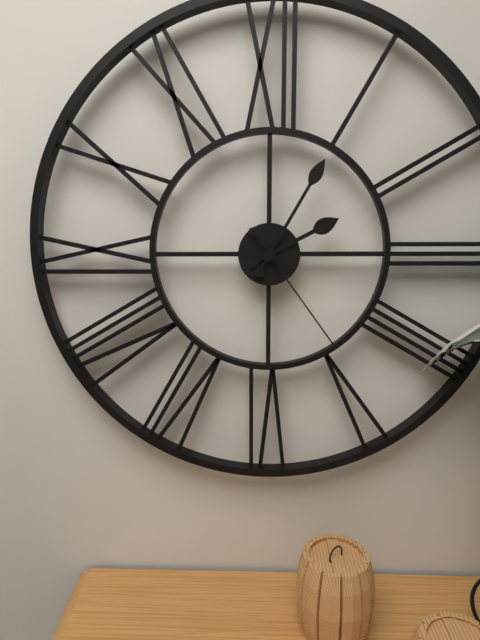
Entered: 2.05.24
